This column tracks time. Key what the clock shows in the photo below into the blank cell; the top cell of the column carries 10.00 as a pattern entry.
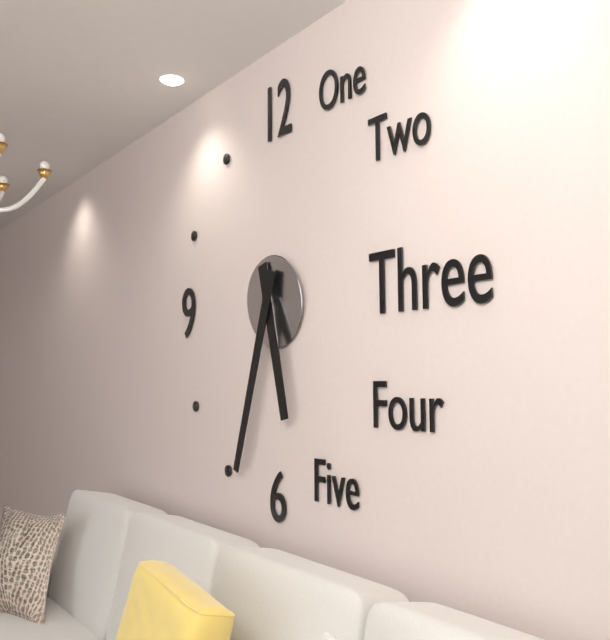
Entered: 5.33
